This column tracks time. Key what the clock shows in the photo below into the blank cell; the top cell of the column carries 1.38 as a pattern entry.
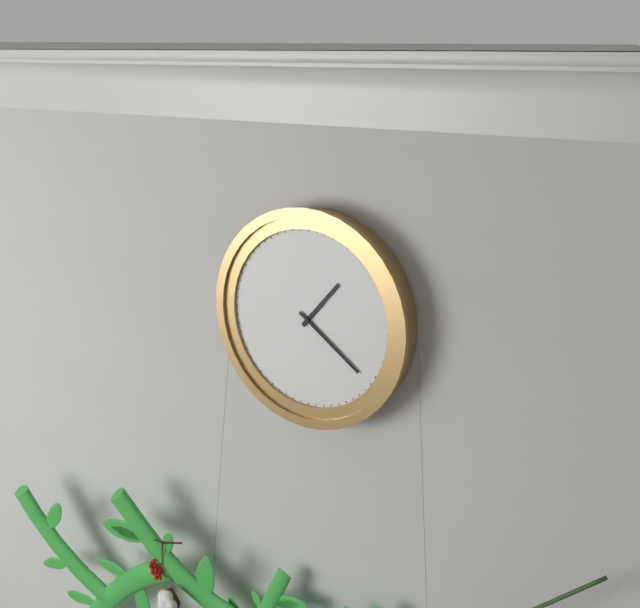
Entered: 1.21
